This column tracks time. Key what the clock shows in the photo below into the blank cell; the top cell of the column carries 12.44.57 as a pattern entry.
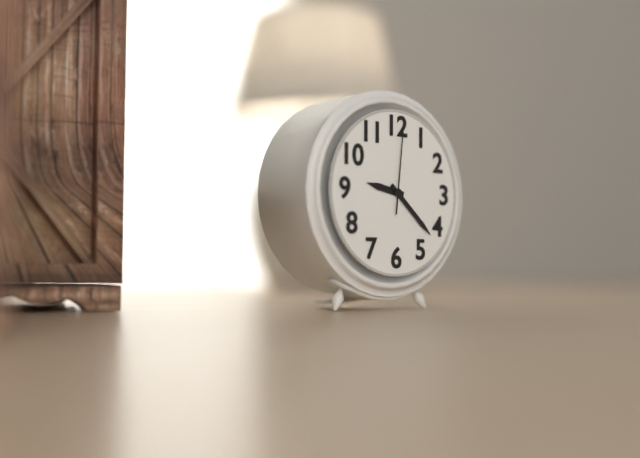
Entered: 9.22.01
